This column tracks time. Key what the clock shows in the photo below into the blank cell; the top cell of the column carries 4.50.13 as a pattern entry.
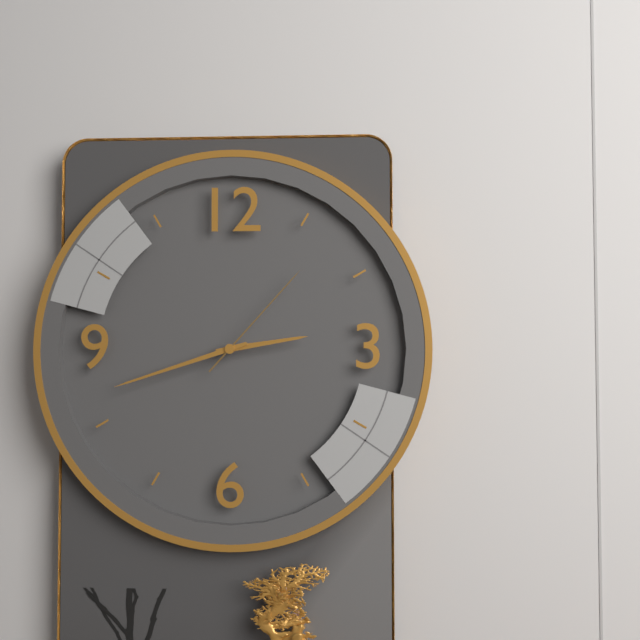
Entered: 2.42.07
